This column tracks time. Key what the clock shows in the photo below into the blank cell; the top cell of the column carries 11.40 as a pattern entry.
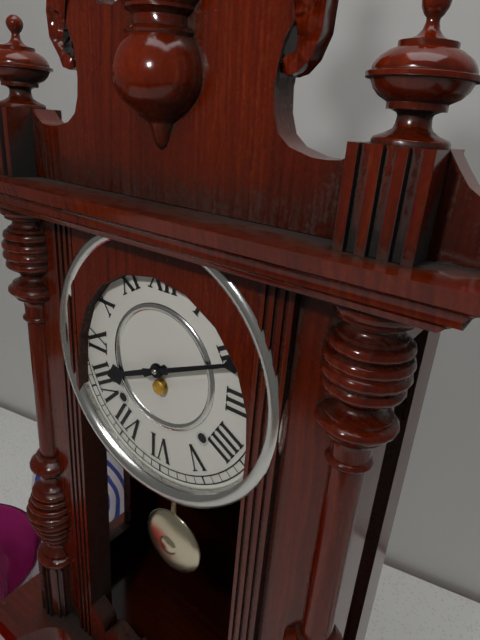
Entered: 8.11
